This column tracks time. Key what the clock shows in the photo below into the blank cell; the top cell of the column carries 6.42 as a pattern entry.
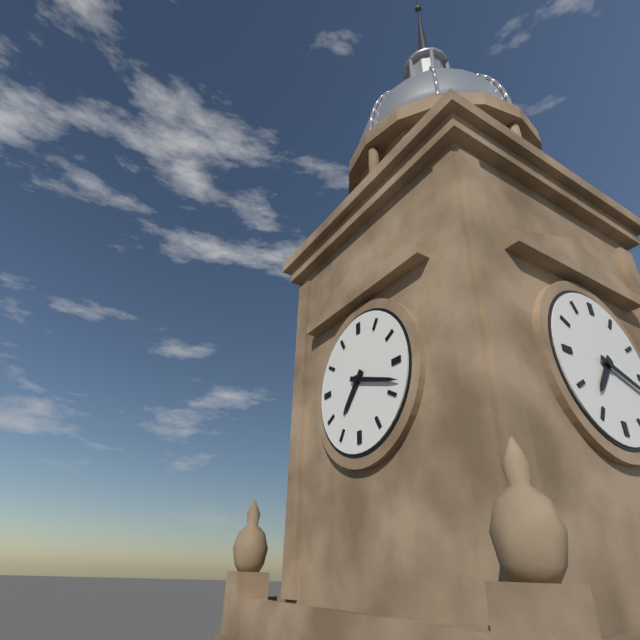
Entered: 7.18
